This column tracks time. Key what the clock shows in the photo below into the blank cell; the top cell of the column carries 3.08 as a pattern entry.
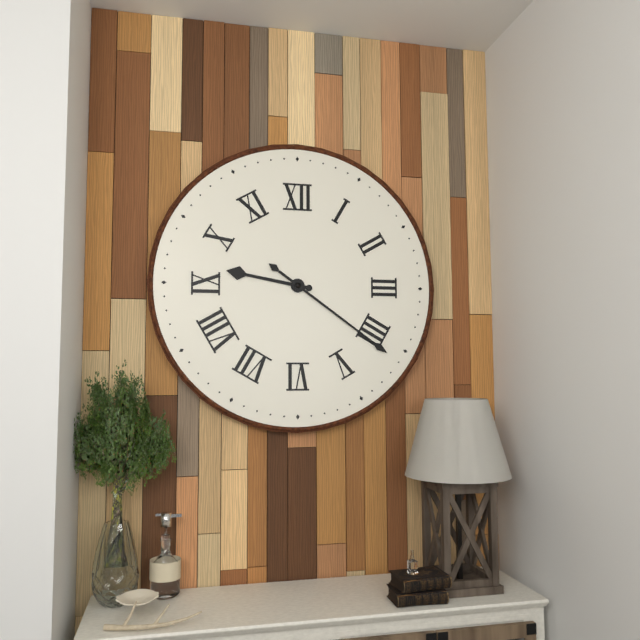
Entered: 9.21
